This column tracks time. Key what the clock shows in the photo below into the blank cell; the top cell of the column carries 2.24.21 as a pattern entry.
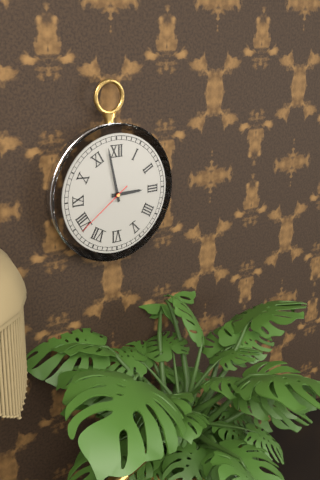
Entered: 2.58.39
